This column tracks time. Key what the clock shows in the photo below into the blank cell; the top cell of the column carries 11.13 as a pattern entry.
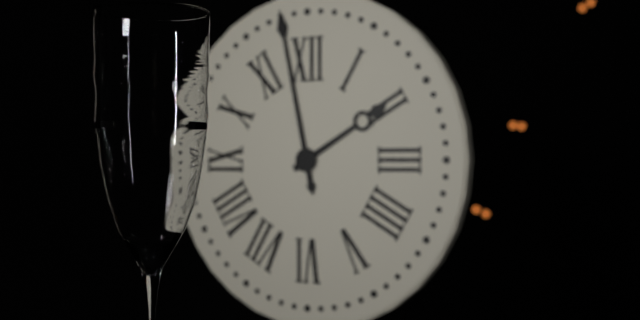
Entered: 1.58
